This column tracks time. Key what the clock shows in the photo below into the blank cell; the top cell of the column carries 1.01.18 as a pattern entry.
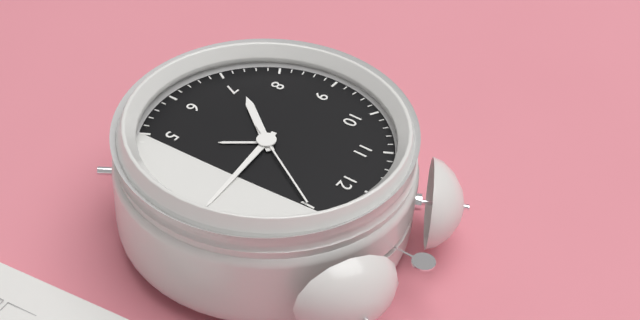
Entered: 7.14.05
